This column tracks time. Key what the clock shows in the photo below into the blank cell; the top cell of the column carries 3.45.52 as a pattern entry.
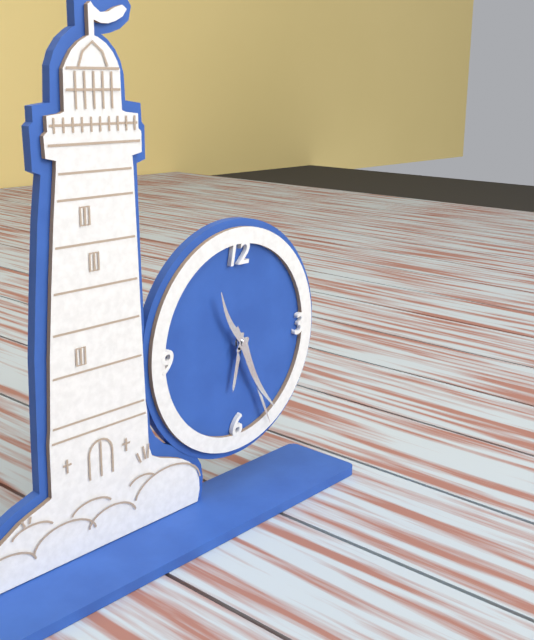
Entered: 6.26.25
